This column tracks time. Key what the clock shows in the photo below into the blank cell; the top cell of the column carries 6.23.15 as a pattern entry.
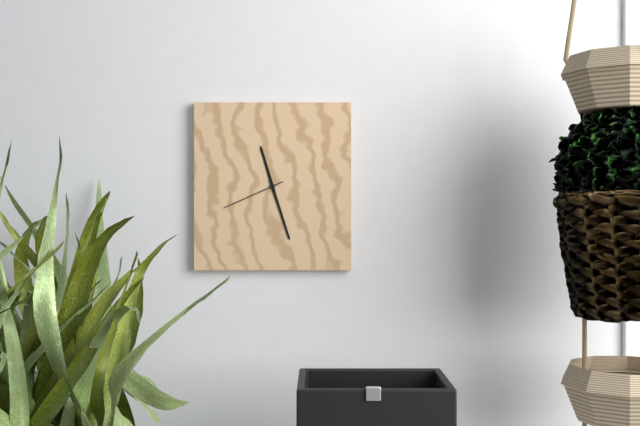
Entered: 11.27.41
